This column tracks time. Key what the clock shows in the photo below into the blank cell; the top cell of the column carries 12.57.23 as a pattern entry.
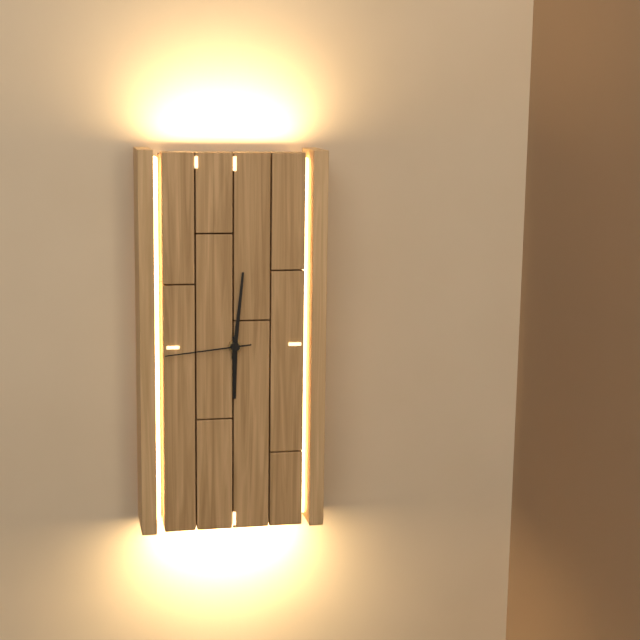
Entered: 6.01.44
